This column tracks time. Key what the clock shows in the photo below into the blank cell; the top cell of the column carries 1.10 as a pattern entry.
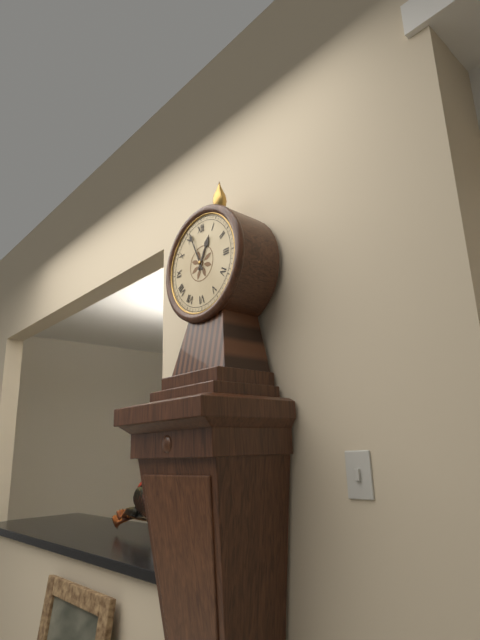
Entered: 12.56
